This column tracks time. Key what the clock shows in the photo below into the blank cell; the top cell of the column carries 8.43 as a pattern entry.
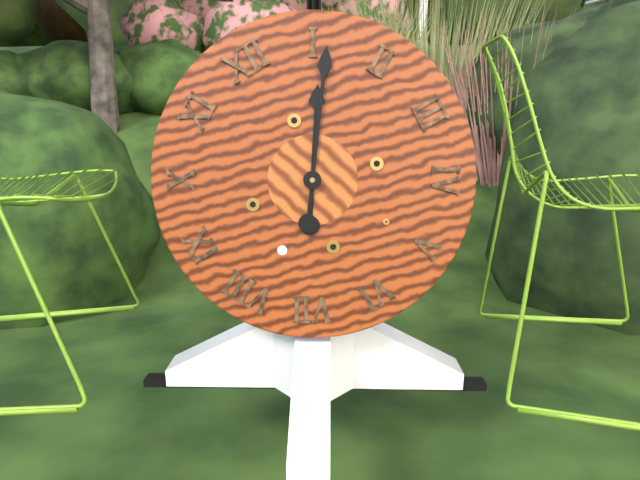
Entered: 1.06
